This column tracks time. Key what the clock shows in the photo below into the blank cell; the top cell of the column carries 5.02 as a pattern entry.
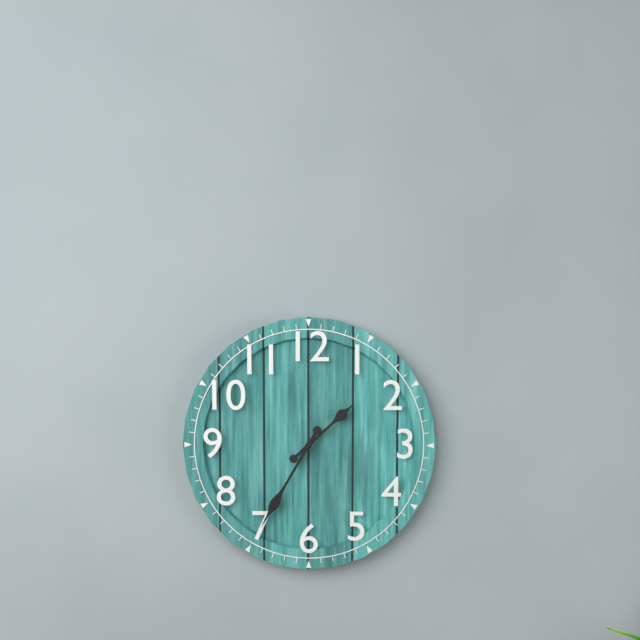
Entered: 1.35
